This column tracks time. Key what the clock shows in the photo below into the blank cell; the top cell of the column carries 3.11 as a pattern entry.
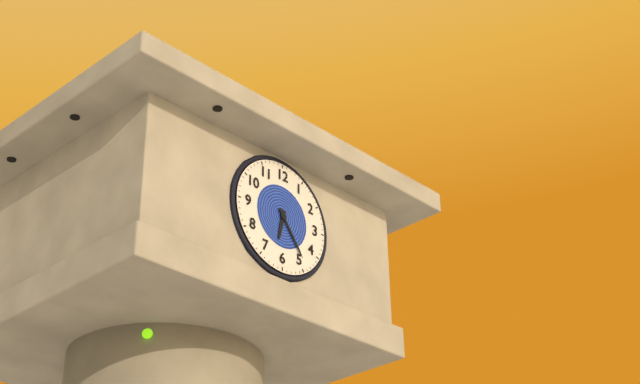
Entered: 6.24
